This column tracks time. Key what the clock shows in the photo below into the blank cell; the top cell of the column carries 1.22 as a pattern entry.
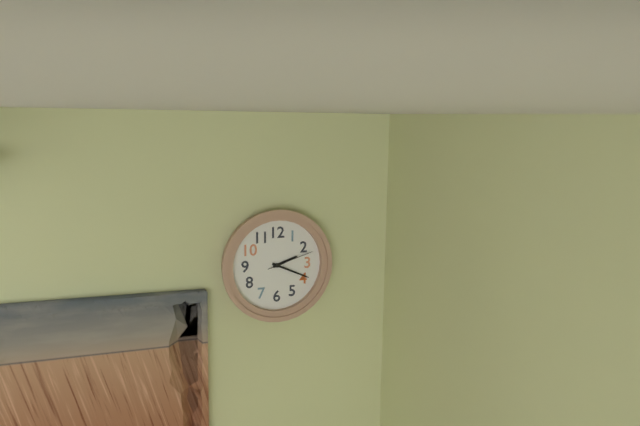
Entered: 2.19
